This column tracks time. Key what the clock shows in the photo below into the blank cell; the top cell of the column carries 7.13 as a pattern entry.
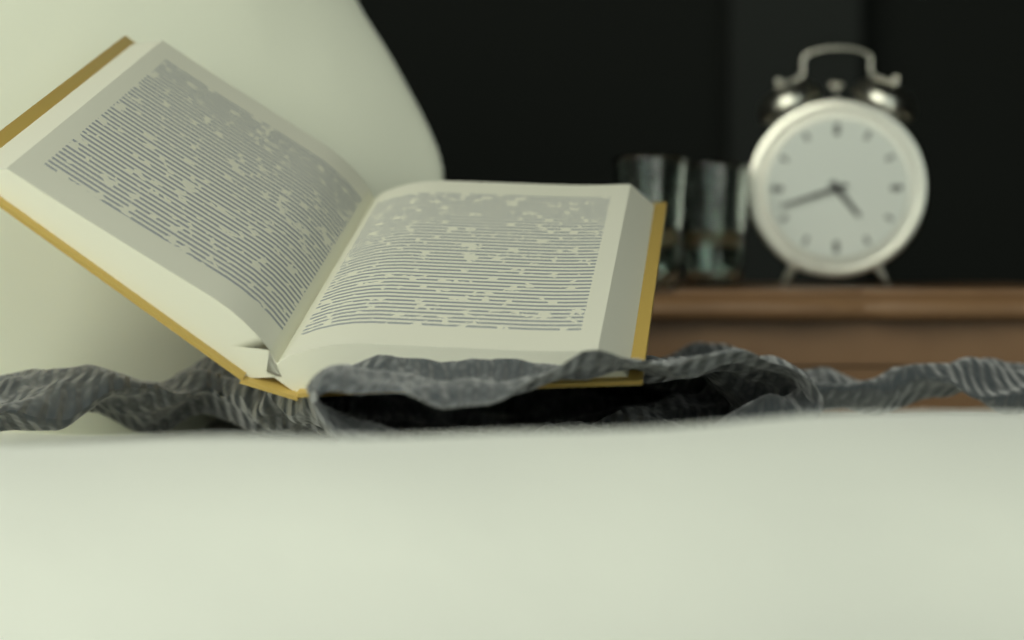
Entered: 4.42
